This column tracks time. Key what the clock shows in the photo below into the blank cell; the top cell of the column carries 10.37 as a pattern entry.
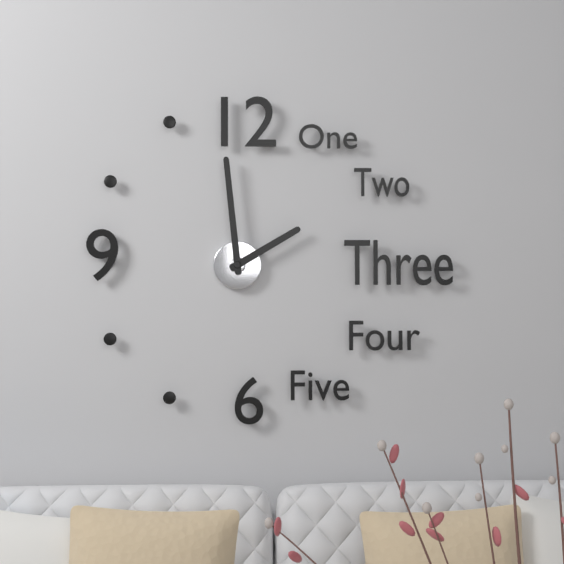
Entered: 1.59
